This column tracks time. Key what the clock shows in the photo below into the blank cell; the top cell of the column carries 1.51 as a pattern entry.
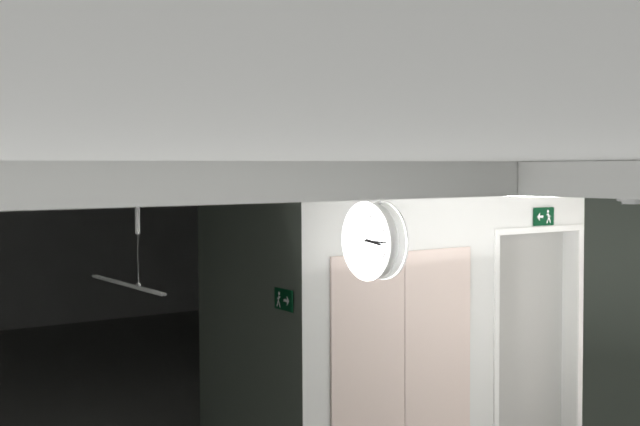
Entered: 3.15
